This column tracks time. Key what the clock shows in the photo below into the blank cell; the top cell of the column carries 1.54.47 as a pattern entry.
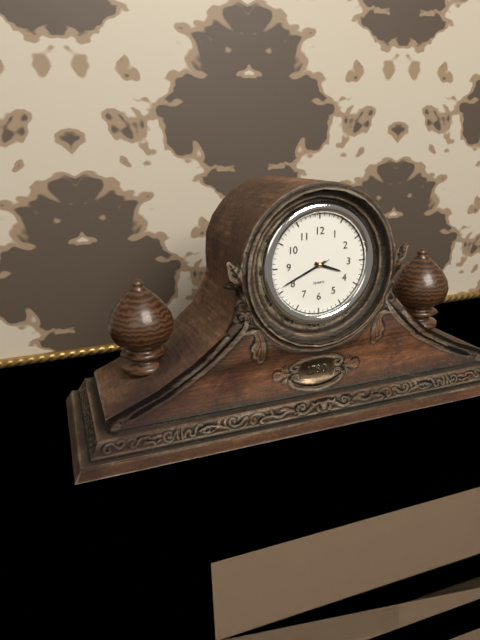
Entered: 3.41.41
